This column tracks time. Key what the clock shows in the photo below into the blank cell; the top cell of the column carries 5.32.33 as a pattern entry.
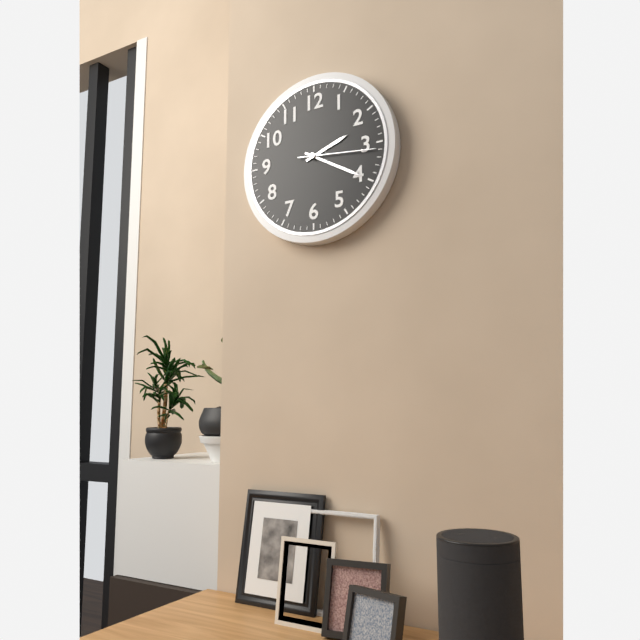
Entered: 2.20.16
